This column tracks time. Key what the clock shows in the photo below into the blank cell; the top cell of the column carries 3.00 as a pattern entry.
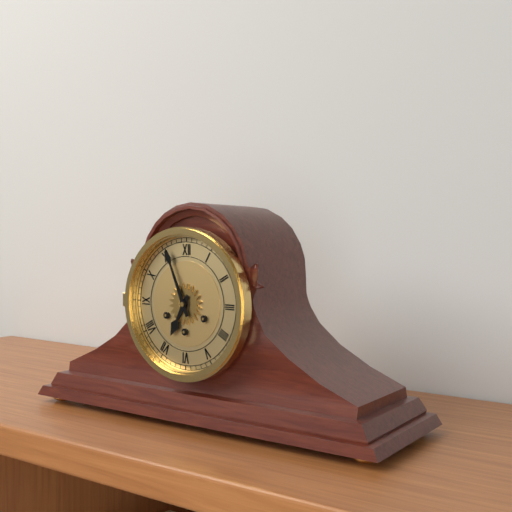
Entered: 6.56
